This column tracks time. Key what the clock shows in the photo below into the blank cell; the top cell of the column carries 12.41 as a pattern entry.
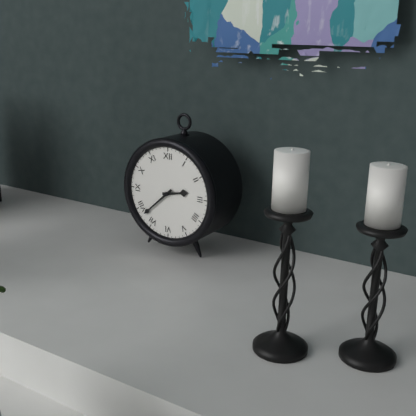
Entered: 2.38
